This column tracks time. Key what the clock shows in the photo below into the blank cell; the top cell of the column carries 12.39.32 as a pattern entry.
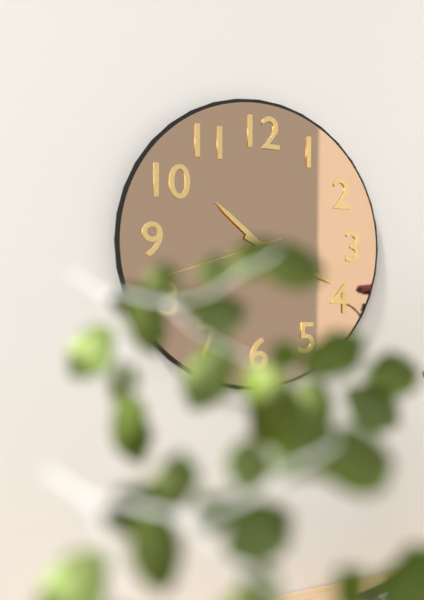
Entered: 10.19.42
